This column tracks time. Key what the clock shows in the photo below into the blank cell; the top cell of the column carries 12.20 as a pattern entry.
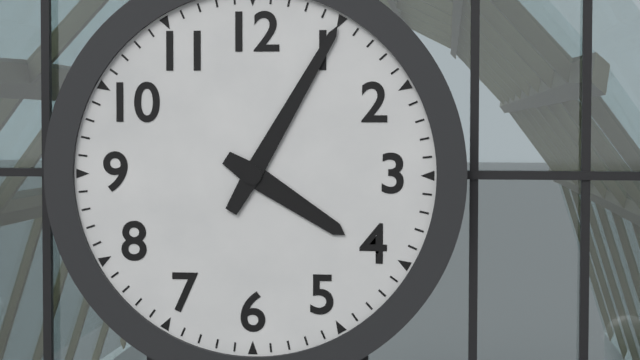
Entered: 4.05
